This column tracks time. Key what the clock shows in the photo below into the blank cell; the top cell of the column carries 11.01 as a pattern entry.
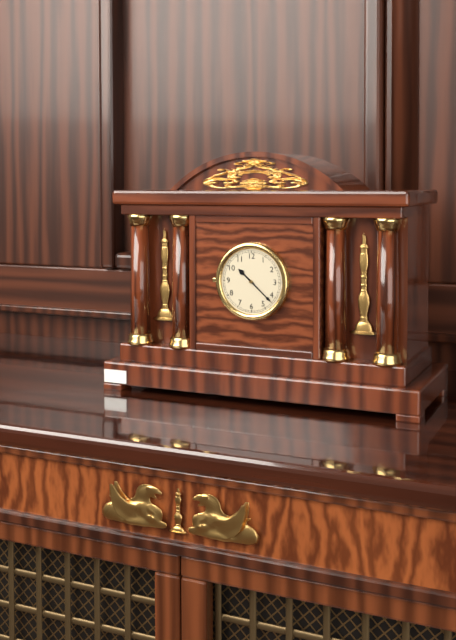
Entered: 10.22
